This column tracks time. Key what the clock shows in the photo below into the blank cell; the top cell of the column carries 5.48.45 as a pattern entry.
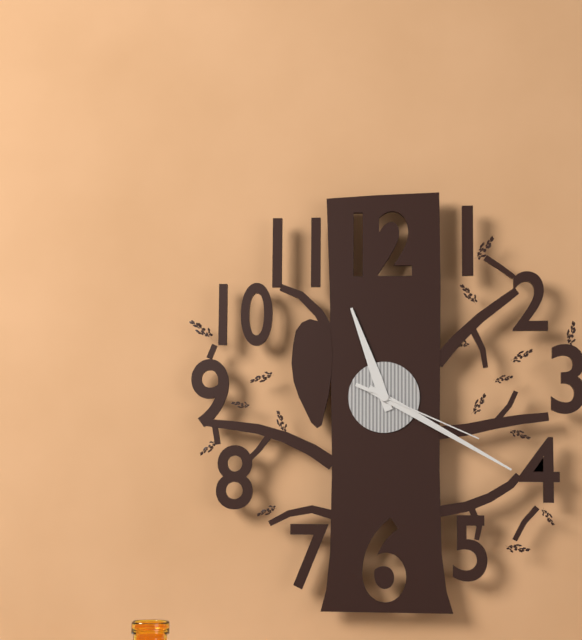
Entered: 11.20.19
